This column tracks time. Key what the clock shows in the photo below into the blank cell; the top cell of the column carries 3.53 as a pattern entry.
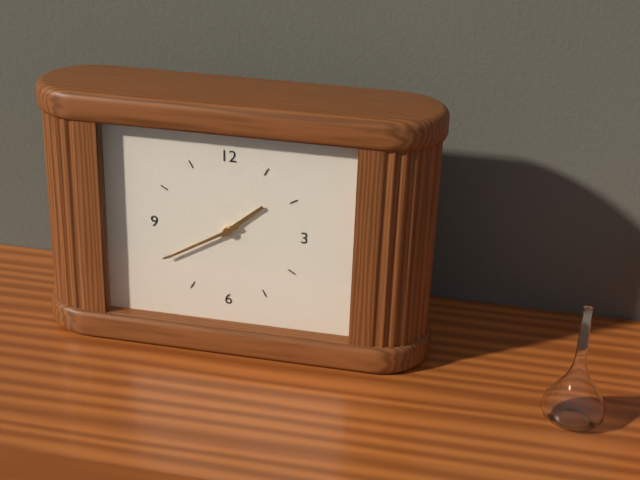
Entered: 1.40
